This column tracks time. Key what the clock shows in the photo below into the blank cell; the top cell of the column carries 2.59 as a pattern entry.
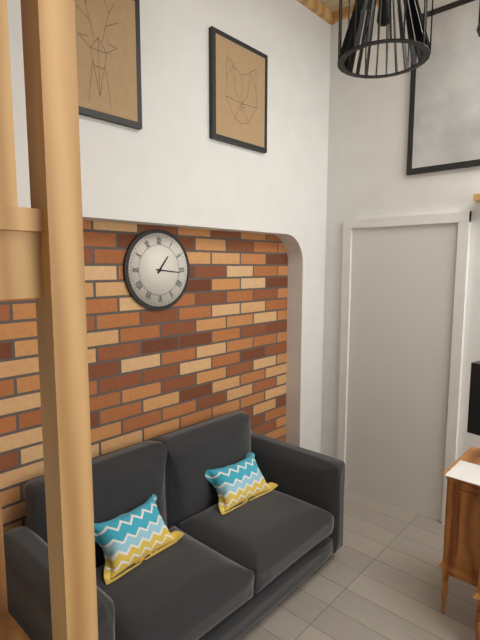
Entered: 1.16
